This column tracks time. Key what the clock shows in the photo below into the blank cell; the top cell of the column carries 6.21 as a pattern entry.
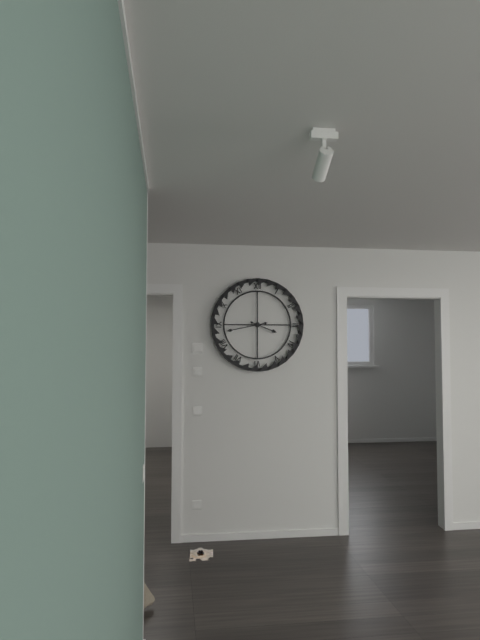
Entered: 3.43
